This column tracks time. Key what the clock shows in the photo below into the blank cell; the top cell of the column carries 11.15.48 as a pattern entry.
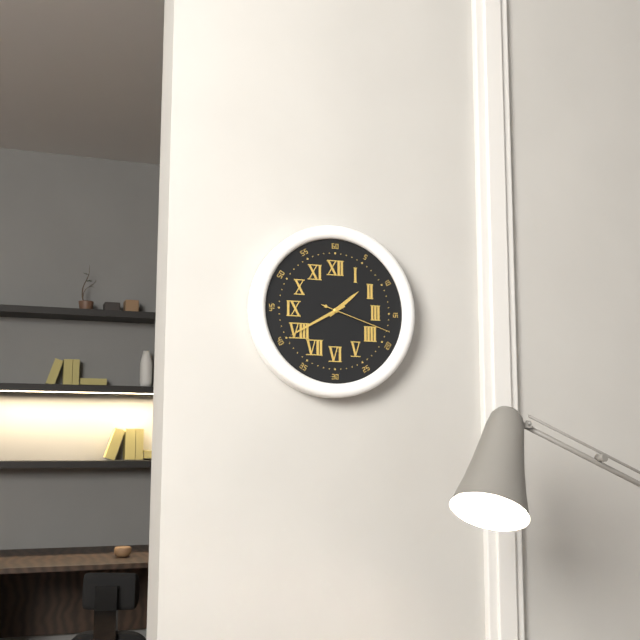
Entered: 1.40.18
